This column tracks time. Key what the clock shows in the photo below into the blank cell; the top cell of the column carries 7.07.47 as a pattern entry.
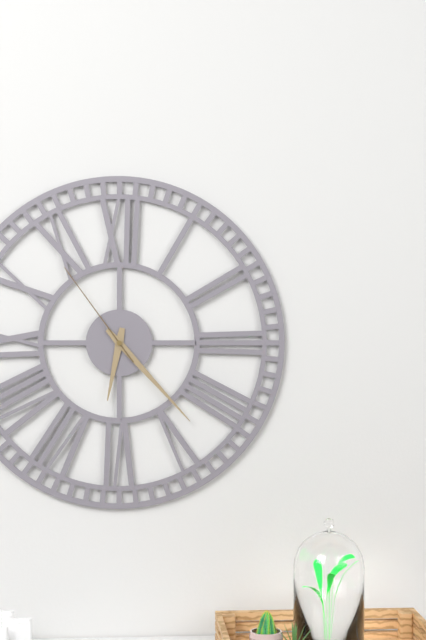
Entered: 6.23.54
